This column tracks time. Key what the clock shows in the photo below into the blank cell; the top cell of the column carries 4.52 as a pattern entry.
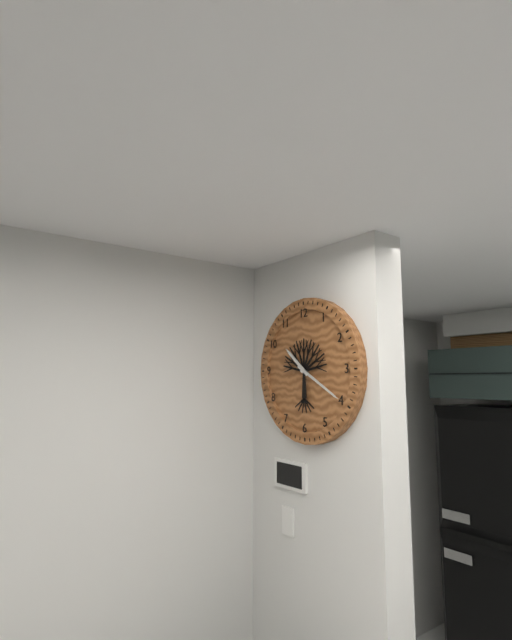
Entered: 10.20
